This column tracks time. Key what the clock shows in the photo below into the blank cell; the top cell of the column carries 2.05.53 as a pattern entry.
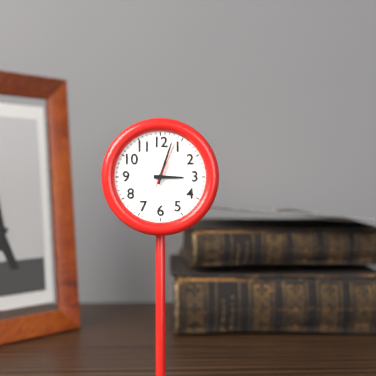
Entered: 3.03.04
